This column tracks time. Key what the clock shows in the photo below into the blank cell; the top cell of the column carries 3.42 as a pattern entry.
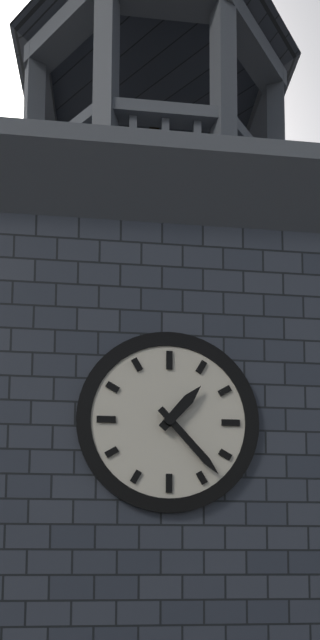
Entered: 1.23
